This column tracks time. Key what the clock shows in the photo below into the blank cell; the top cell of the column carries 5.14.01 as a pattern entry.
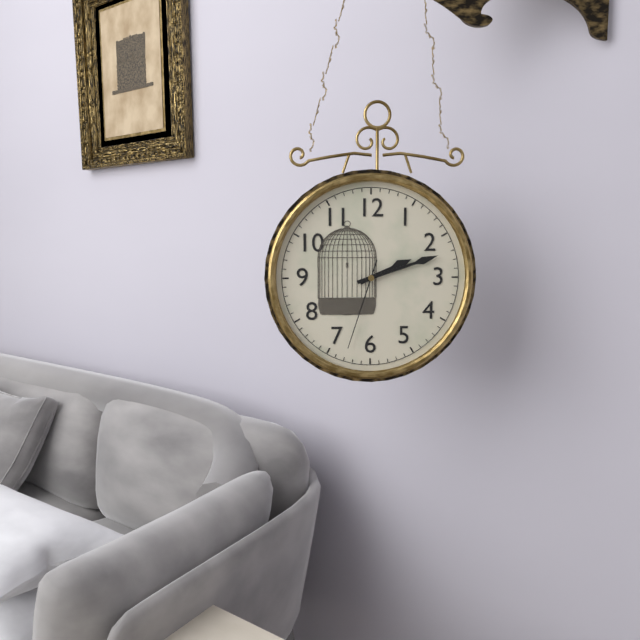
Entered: 2.12.33
